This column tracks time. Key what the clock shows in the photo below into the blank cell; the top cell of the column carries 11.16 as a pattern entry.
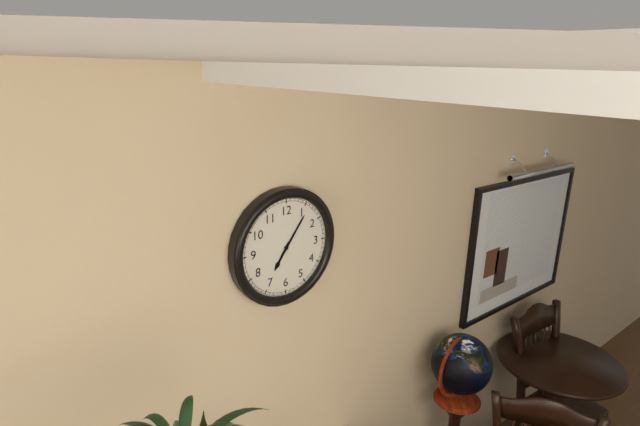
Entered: 7.06
